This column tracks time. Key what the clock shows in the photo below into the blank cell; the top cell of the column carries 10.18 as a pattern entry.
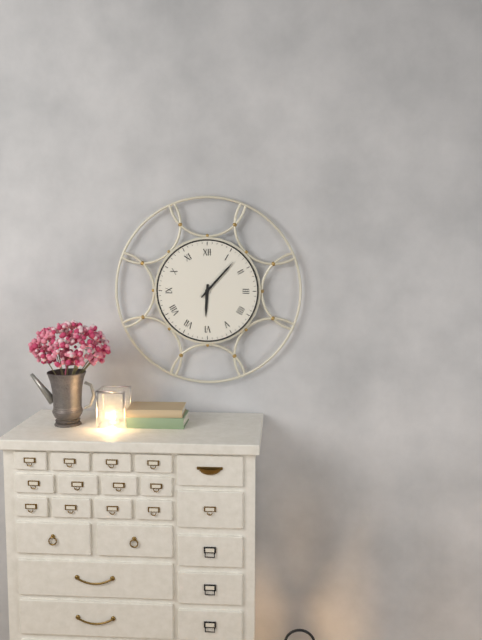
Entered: 6.07
